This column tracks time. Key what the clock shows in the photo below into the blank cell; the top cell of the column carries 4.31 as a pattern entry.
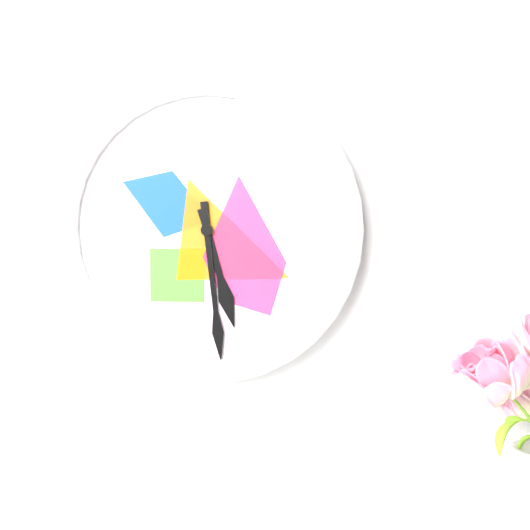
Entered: 5.29
